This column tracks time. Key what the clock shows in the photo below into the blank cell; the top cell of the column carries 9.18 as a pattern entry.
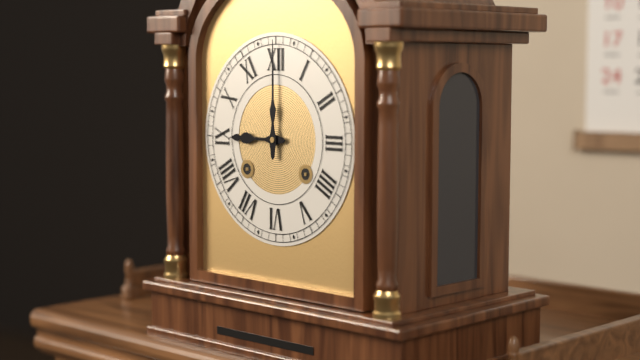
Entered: 9.00
